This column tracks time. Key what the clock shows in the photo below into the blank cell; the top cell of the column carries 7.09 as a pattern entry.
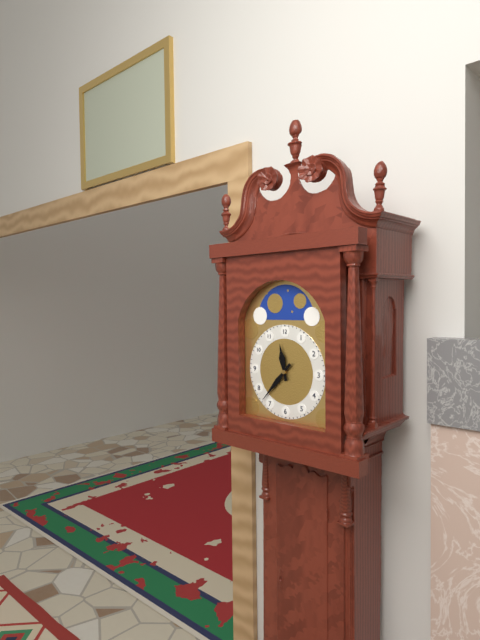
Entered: 11.37
